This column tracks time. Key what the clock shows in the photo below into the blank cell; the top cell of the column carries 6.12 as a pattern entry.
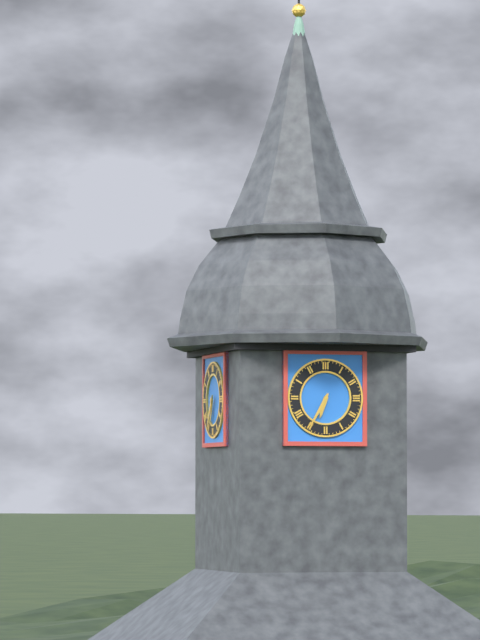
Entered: 6.35
